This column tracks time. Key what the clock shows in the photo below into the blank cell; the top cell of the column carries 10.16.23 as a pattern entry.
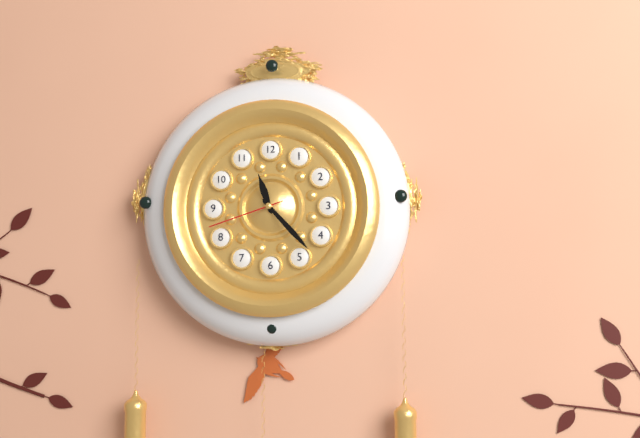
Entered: 11.23.42
